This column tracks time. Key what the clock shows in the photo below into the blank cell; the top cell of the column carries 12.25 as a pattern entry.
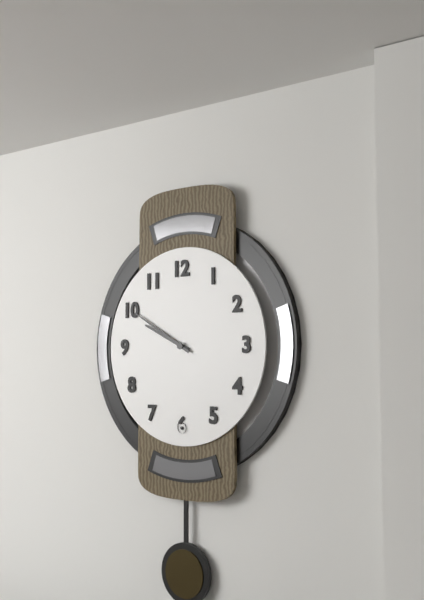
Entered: 9.50
